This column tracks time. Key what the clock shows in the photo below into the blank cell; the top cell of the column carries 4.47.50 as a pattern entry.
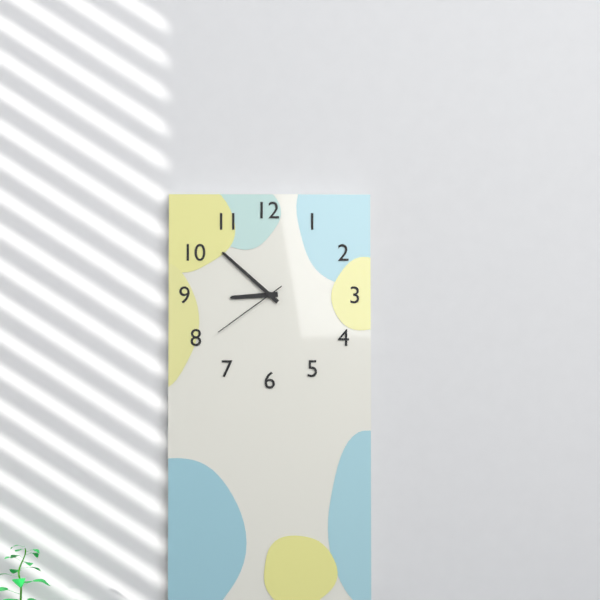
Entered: 8.52.39
